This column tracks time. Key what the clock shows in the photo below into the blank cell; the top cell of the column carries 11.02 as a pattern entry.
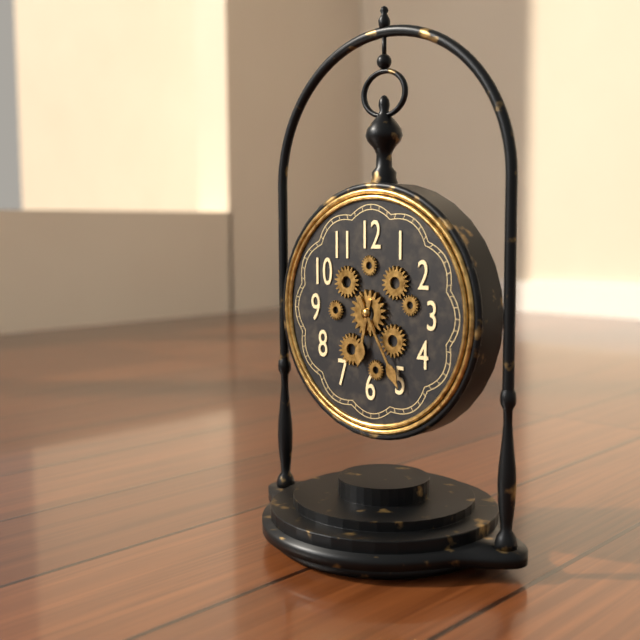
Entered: 6.25
